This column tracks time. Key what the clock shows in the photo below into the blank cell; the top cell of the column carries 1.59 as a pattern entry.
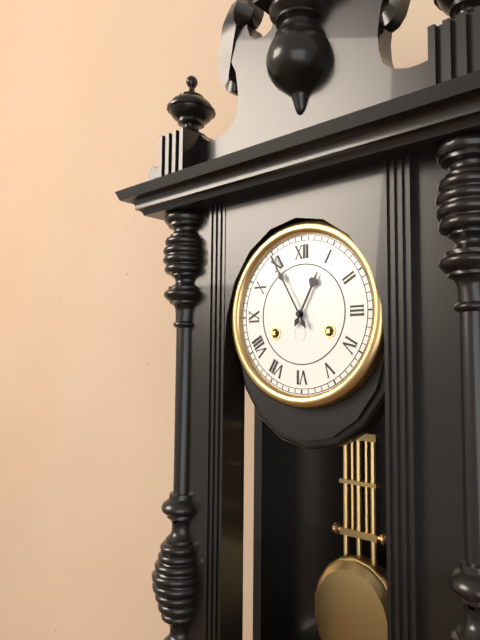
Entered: 12.55
